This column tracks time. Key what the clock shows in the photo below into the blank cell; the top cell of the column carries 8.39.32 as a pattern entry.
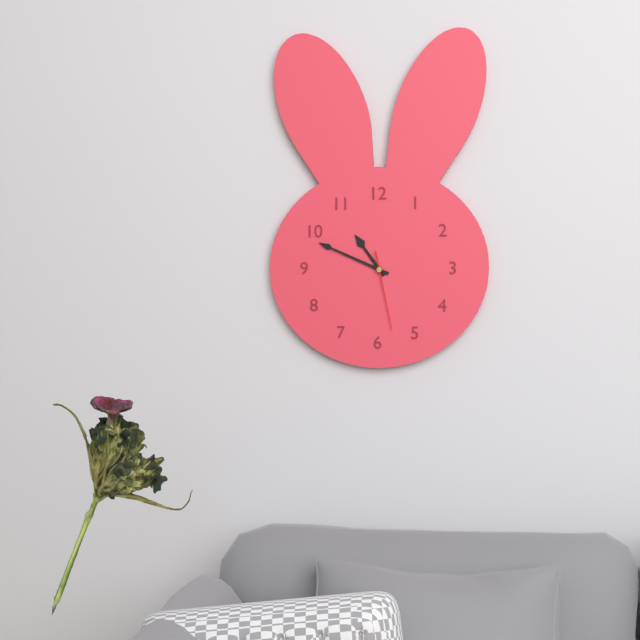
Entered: 10.49.28
